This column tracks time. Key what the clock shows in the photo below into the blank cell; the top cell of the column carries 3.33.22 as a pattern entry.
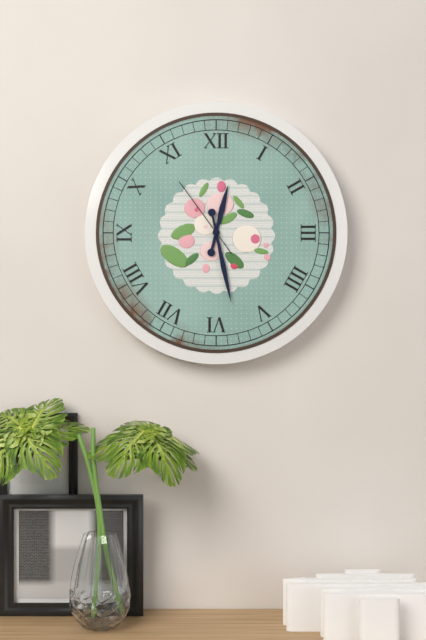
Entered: 12.28.54
